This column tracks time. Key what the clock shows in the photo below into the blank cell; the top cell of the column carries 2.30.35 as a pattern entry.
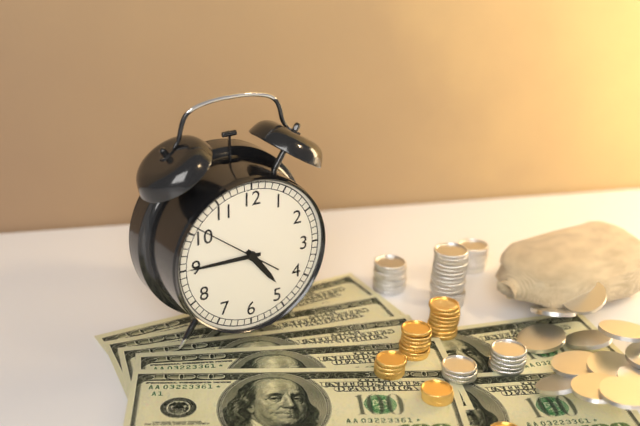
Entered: 4.45.51
